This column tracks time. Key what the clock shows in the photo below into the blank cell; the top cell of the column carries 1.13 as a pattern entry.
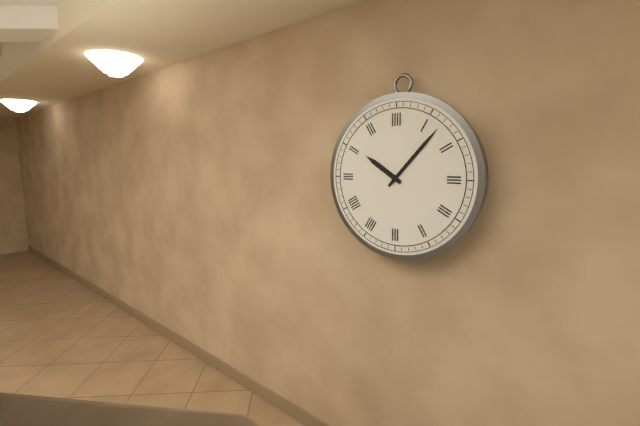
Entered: 10.07
